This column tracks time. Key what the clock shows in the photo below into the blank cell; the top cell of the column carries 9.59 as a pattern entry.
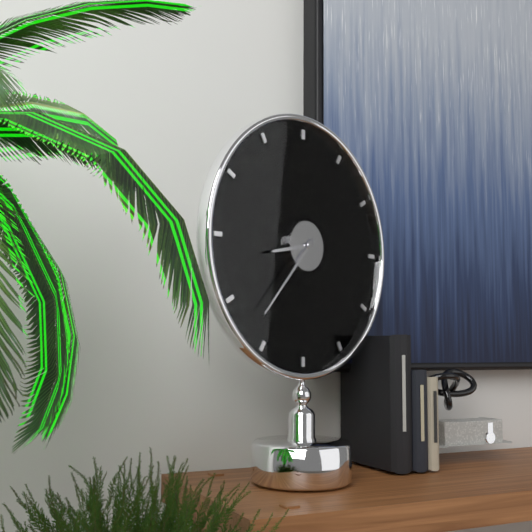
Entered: 8.37
